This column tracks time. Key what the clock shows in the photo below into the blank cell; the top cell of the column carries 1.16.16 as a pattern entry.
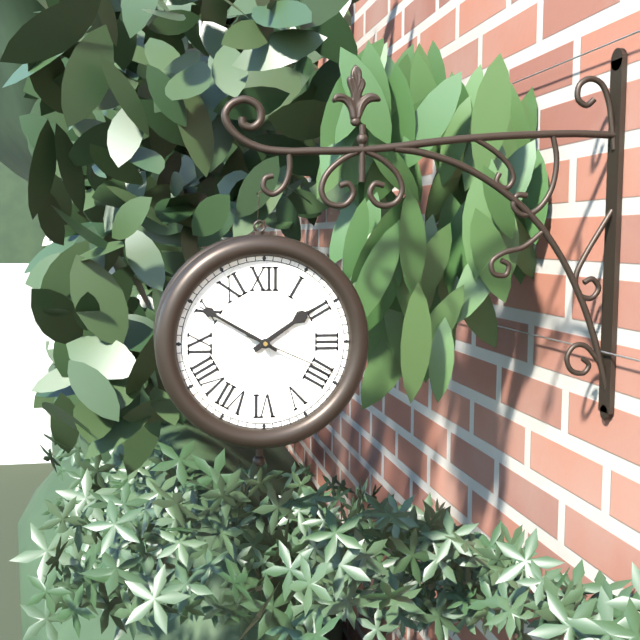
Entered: 1.50.19
